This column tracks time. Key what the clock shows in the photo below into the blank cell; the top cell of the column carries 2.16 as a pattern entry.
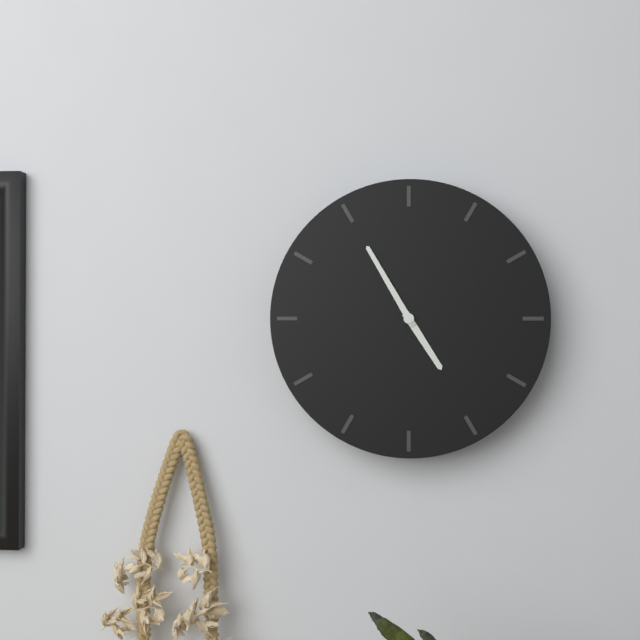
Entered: 4.55
